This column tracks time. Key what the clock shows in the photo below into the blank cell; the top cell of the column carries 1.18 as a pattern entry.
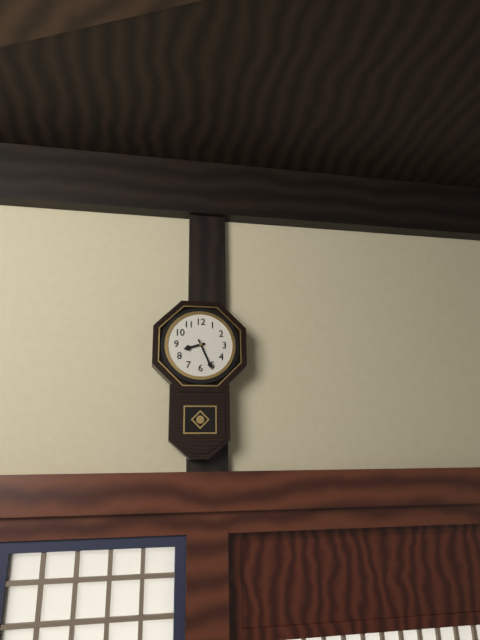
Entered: 8.26
